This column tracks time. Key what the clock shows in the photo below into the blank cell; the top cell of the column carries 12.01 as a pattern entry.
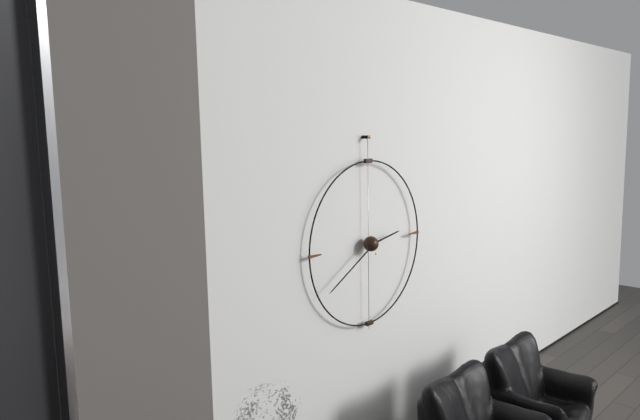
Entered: 2.40
